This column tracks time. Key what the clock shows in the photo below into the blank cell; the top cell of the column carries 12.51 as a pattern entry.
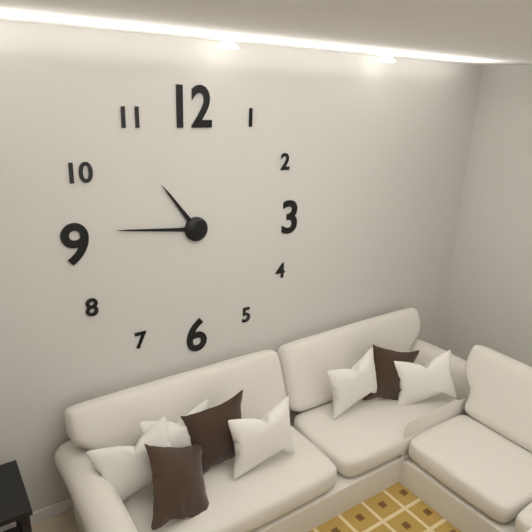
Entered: 10.46
